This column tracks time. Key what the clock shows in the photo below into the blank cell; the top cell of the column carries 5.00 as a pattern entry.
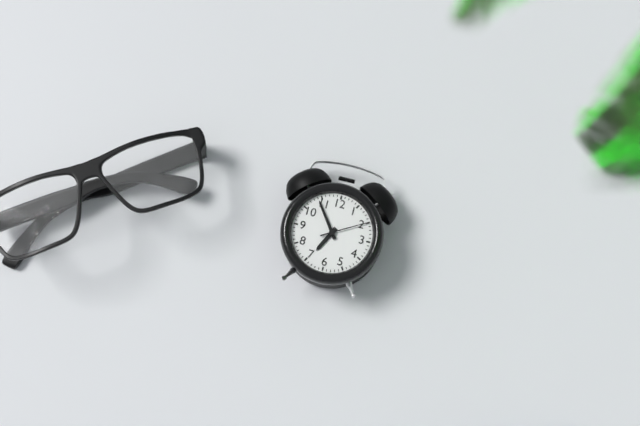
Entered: 6.54
